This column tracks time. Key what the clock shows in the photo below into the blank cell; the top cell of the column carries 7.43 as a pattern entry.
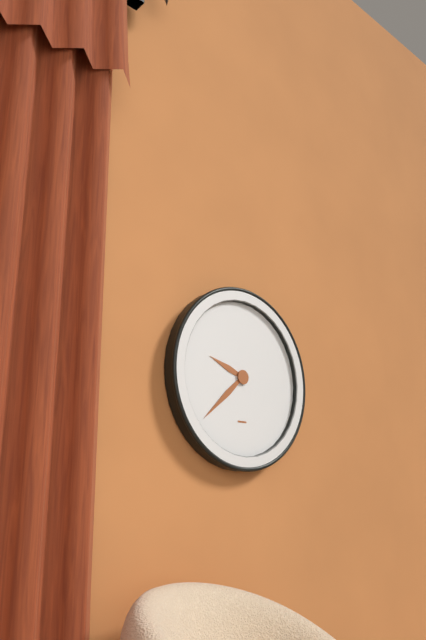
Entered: 9.38
